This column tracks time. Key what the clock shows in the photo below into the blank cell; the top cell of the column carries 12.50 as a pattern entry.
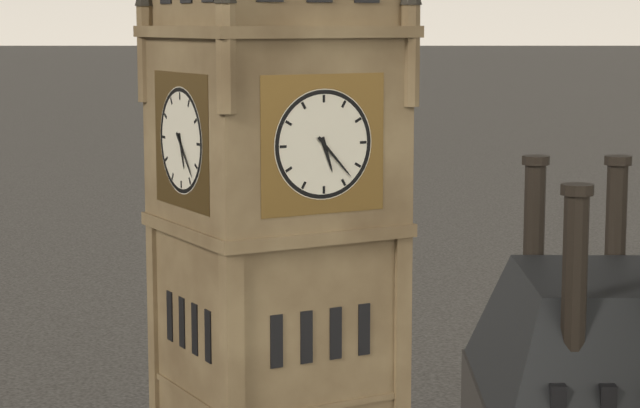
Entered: 5.23
